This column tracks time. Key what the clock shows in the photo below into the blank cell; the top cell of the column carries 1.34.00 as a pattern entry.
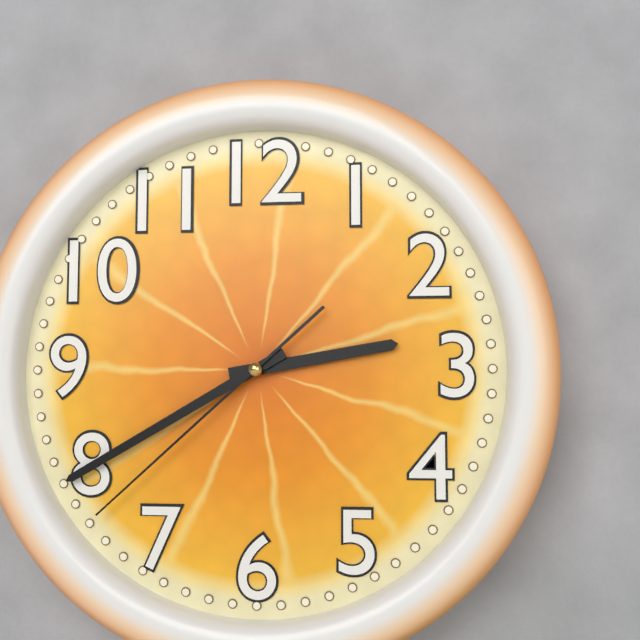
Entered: 2.40.38
